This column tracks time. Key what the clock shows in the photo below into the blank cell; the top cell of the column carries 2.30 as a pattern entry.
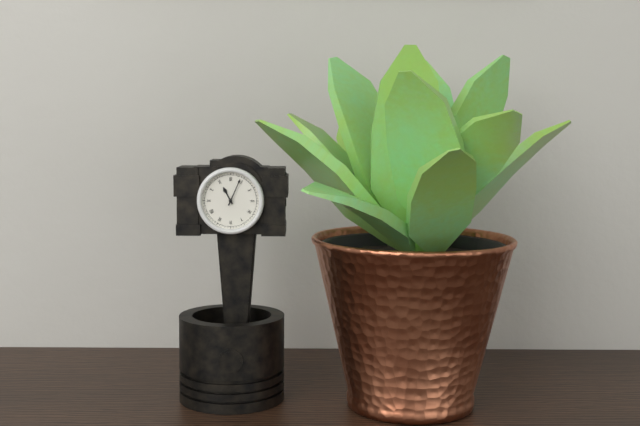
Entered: 11.04
